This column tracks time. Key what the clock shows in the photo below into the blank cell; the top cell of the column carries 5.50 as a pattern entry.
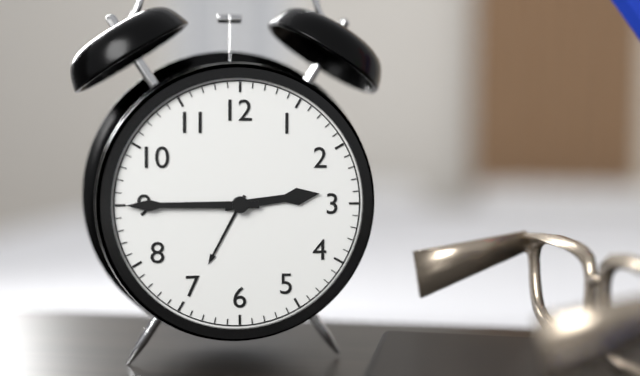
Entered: 2.45
